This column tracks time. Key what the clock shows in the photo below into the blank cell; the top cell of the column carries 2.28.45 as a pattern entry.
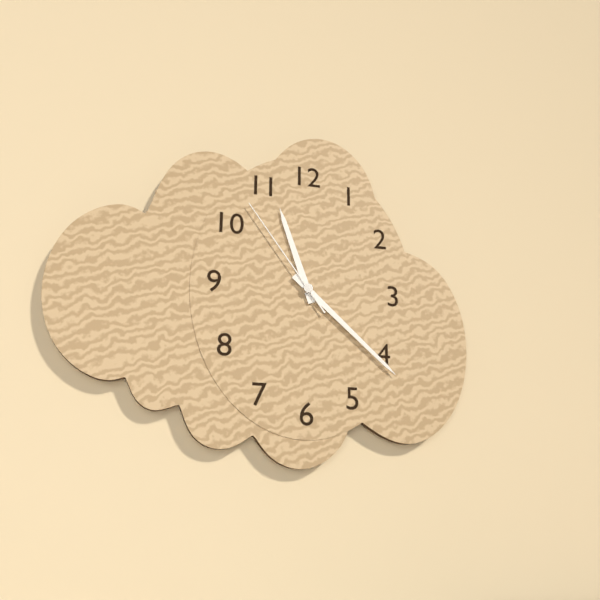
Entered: 11.22.54
